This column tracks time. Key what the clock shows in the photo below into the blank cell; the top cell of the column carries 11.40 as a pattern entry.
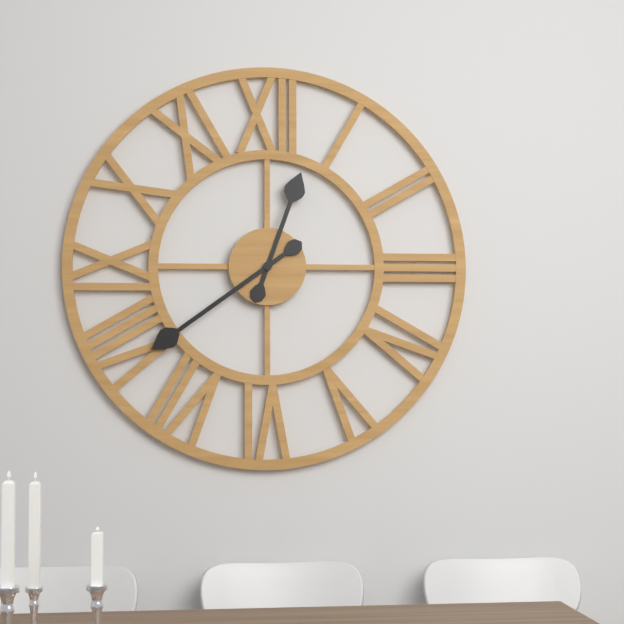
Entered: 12.39
